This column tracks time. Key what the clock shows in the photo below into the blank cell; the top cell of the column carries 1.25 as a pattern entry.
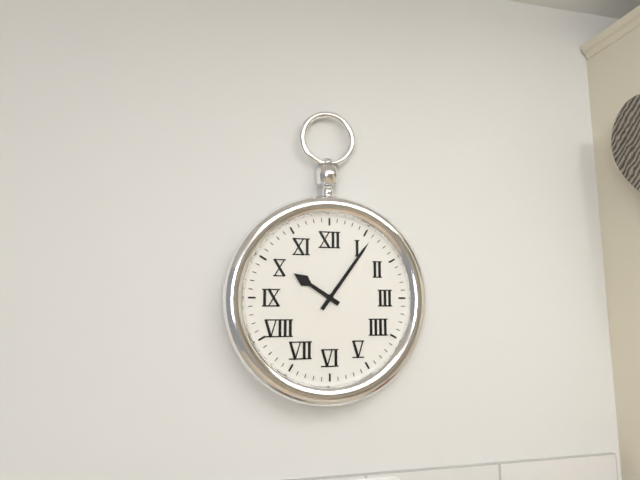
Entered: 10.06
